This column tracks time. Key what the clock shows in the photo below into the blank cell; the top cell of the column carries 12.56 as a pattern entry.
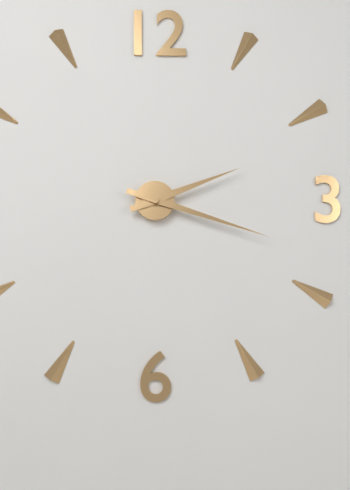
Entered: 2.18
